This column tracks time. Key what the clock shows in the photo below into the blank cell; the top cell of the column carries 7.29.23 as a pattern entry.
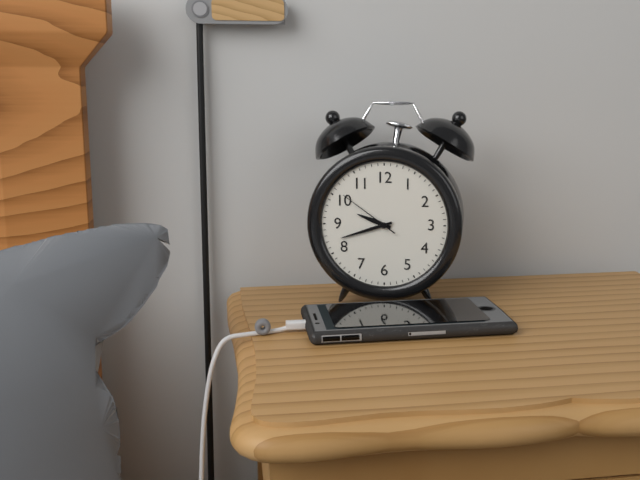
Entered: 9.42.51
